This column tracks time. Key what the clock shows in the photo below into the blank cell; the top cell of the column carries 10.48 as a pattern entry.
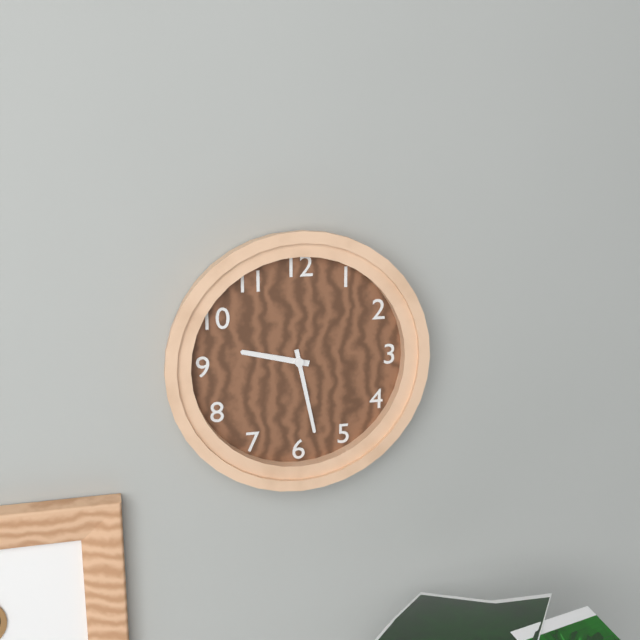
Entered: 9.28
